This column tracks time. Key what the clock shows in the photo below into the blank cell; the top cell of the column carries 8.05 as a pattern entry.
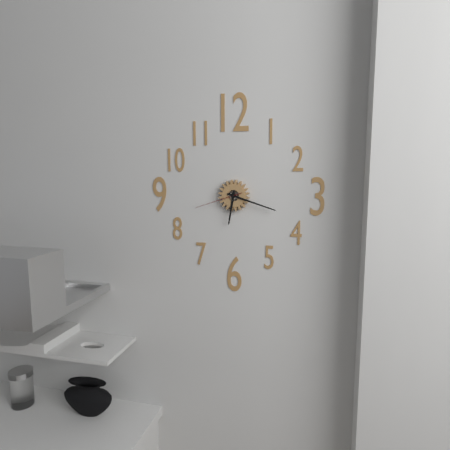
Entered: 6.18
